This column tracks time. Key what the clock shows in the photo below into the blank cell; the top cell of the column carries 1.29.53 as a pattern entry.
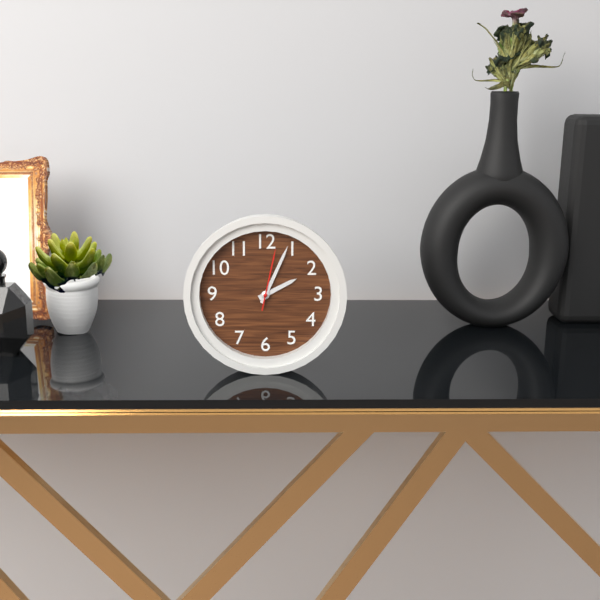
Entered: 2.04.02
